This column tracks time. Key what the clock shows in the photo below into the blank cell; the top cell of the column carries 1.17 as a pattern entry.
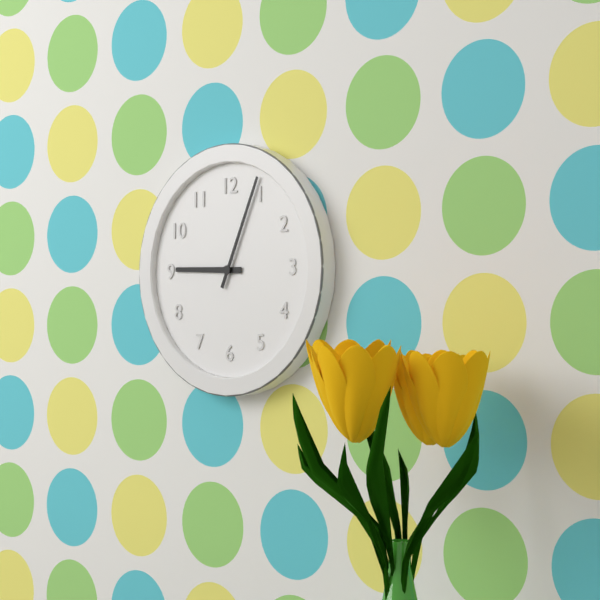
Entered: 9.04
